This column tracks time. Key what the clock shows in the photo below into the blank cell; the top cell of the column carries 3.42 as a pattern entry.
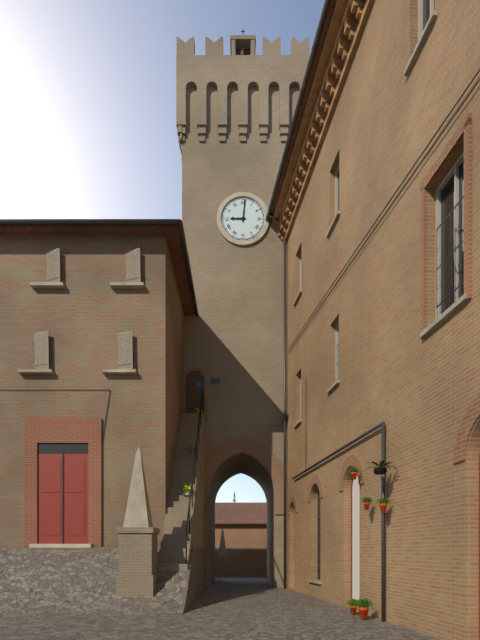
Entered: 9.01
